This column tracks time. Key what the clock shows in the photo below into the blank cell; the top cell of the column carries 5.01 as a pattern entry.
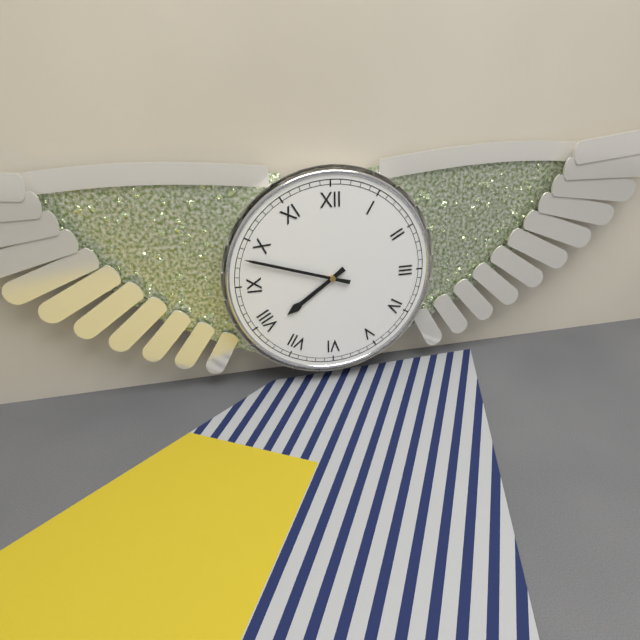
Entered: 7.48
